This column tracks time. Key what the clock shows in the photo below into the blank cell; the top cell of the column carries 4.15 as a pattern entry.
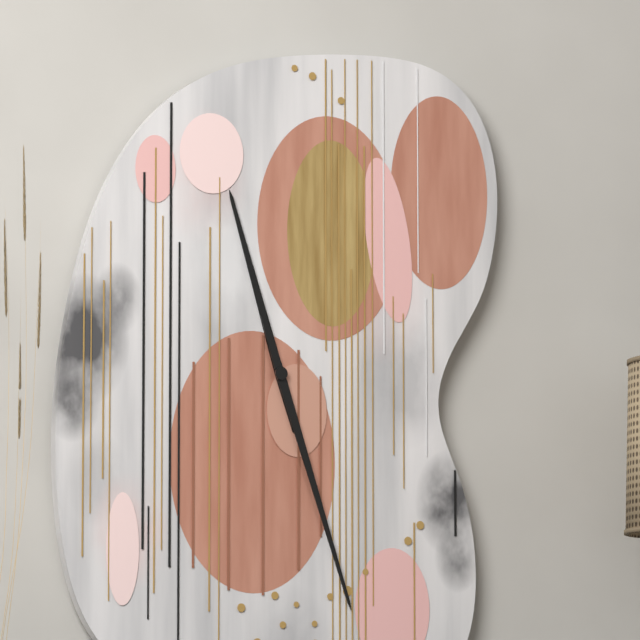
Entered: 11.27
